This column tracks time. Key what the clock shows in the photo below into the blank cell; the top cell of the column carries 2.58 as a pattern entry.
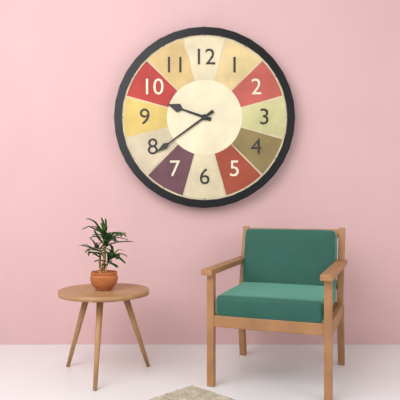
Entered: 9.39
